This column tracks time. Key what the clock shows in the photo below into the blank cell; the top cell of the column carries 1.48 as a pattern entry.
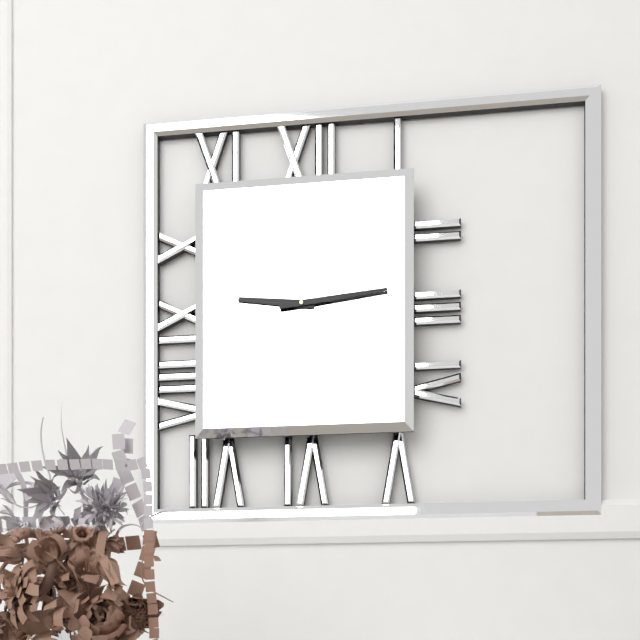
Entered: 9.14
